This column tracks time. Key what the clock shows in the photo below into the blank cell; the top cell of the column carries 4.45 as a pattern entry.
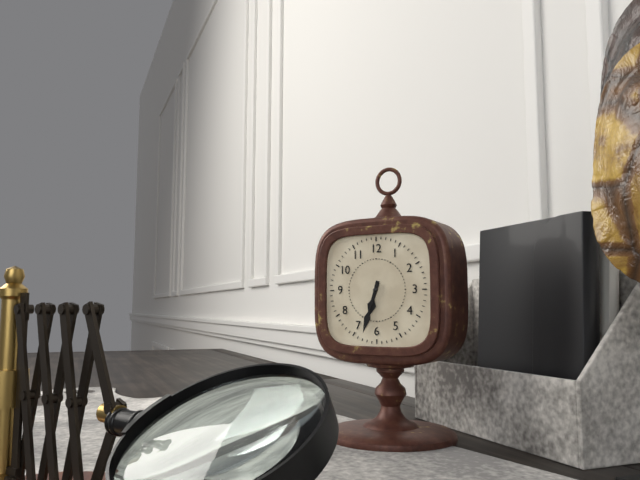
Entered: 6.33
